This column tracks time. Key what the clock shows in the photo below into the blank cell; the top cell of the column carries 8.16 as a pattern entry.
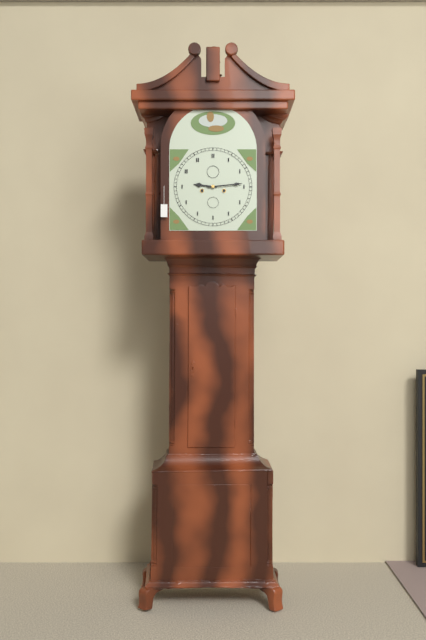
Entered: 9.14
